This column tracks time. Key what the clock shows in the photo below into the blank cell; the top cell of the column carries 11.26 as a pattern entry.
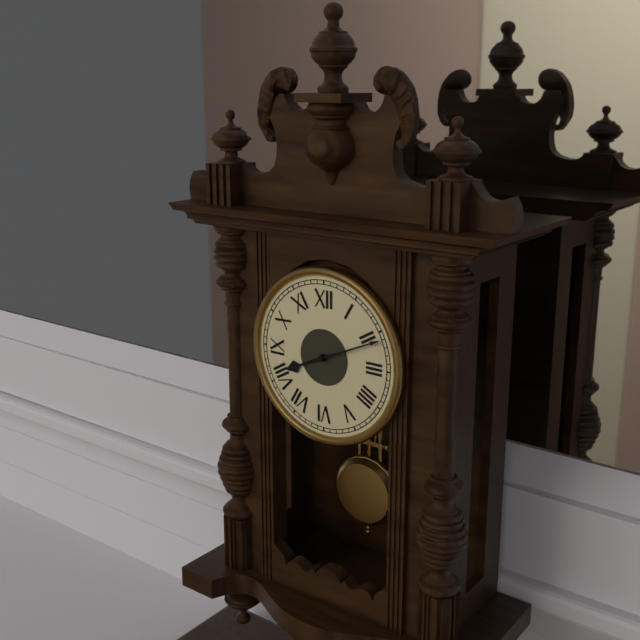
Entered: 8.11
